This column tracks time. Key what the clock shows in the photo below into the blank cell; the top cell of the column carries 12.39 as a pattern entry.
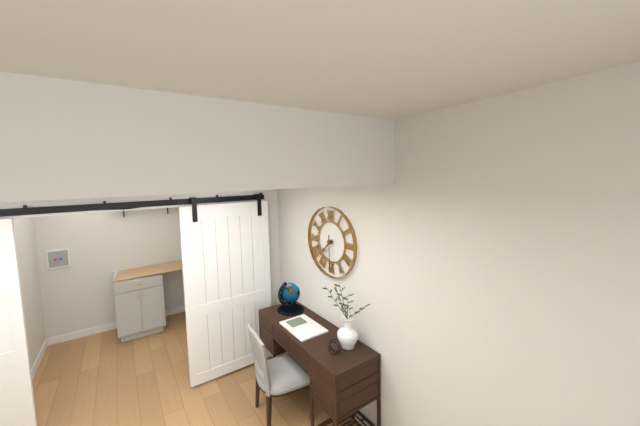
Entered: 7.30
